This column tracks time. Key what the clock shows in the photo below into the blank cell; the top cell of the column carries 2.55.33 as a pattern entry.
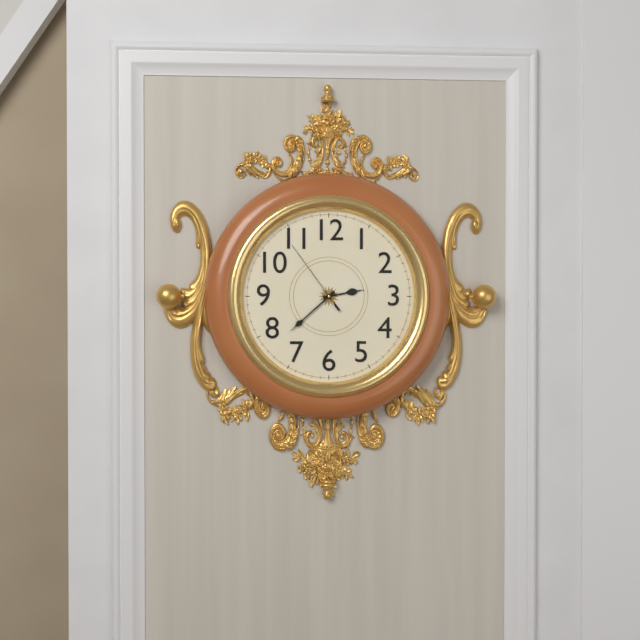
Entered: 2.38.54
